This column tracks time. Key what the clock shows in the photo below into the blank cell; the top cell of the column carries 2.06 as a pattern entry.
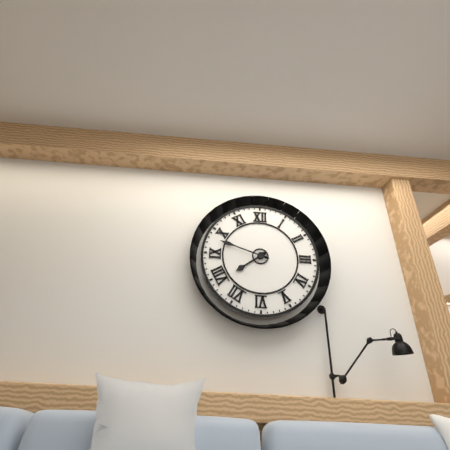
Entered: 7.48
